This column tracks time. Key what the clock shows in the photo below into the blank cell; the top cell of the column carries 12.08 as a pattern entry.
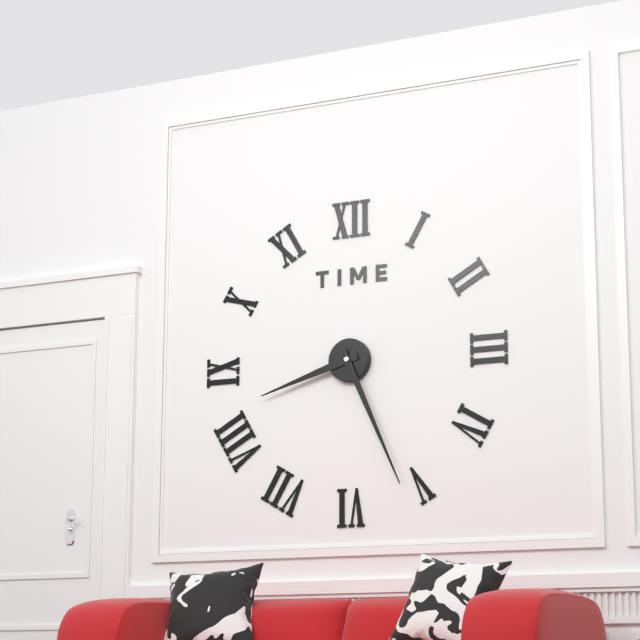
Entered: 8.26
